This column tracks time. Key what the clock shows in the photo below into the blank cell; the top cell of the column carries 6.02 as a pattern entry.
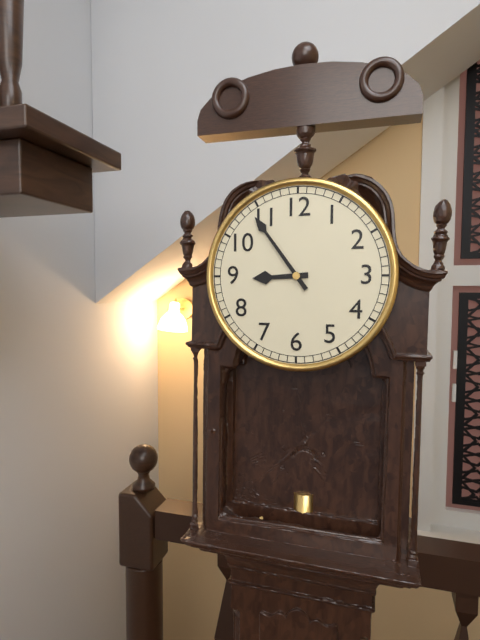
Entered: 8.54
